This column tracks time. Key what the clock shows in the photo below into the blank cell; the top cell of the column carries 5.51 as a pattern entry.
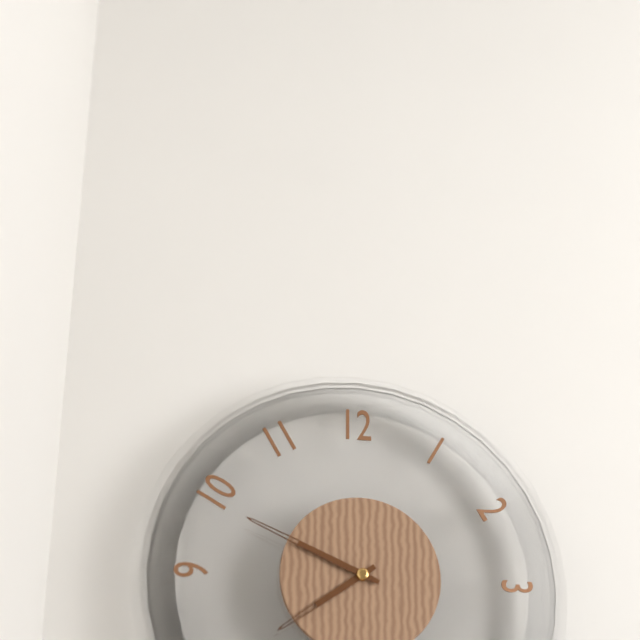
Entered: 7.49
